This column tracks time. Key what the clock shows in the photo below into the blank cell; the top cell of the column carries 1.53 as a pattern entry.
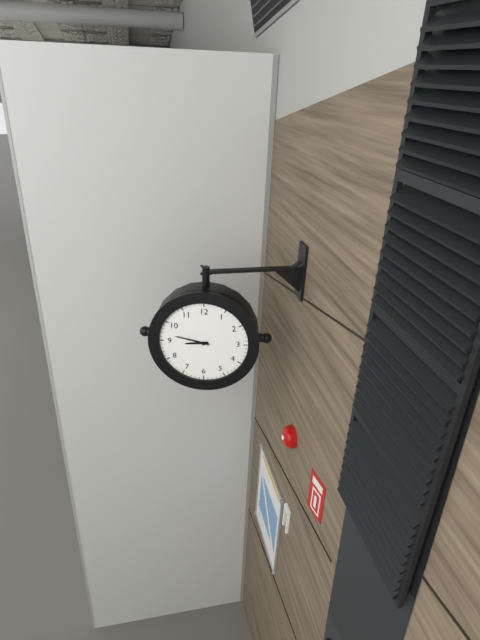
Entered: 8.47
